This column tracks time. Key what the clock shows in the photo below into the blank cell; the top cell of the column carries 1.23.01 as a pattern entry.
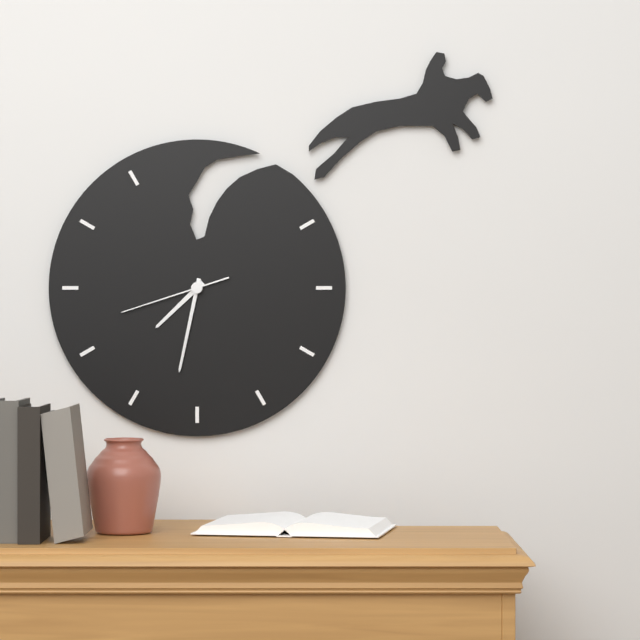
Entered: 7.32.42
